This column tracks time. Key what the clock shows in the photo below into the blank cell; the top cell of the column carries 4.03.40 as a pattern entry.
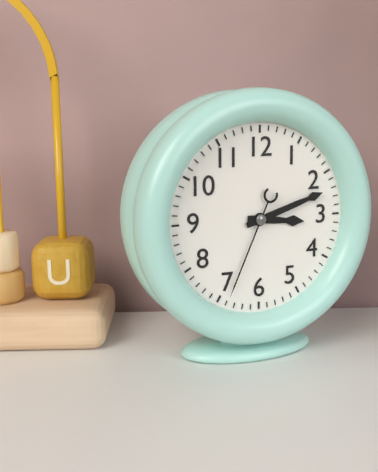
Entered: 3.12.34
